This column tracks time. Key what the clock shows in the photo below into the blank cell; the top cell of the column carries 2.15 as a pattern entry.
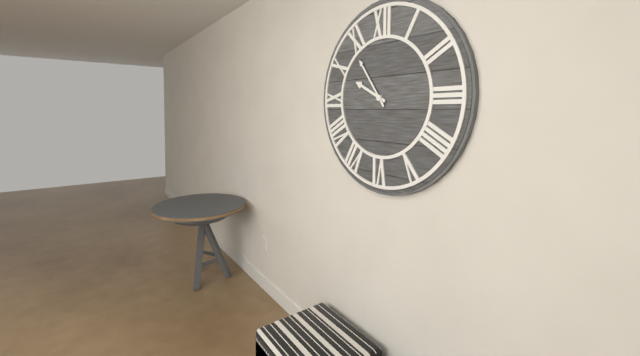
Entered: 9.54
